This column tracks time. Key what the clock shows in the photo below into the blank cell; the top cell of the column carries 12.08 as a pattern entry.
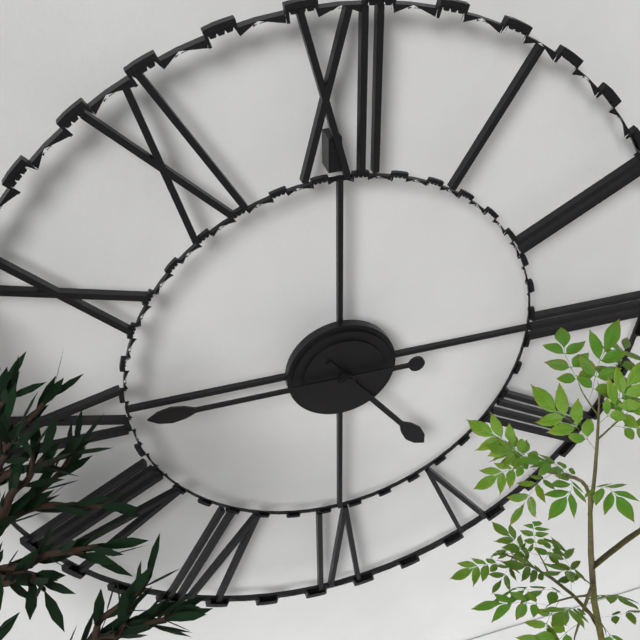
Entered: 4.45
